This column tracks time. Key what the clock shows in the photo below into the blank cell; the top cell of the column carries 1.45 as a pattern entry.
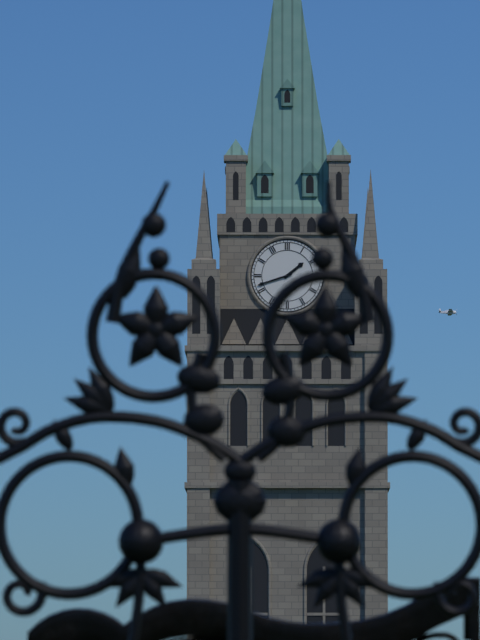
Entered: 1.42
